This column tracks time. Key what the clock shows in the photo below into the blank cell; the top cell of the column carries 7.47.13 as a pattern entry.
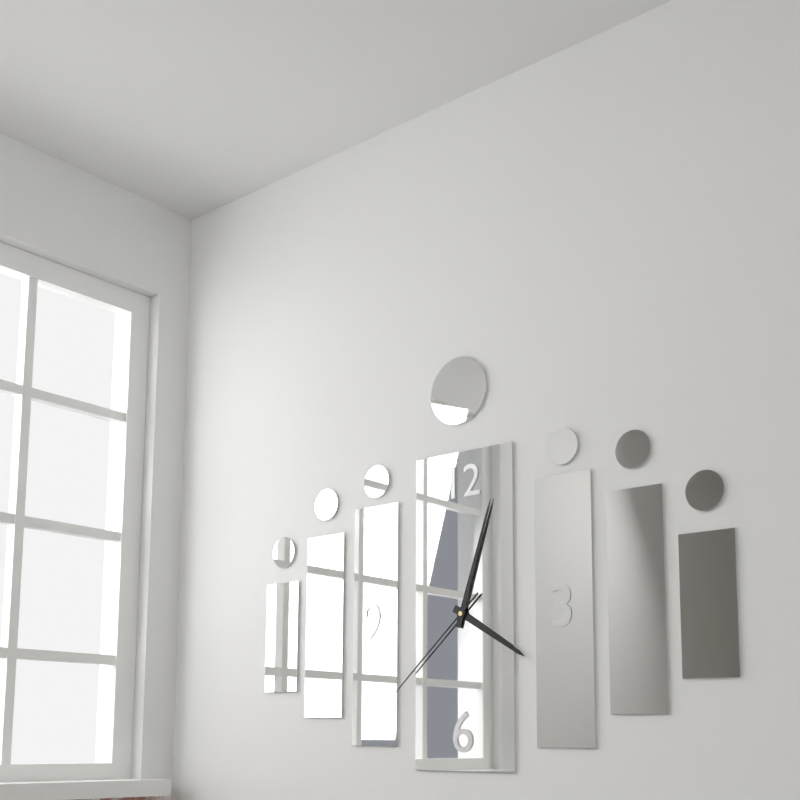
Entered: 4.03.38
